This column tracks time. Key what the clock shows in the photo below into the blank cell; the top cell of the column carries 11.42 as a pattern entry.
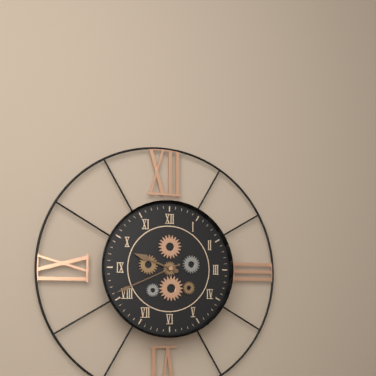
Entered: 9.41
